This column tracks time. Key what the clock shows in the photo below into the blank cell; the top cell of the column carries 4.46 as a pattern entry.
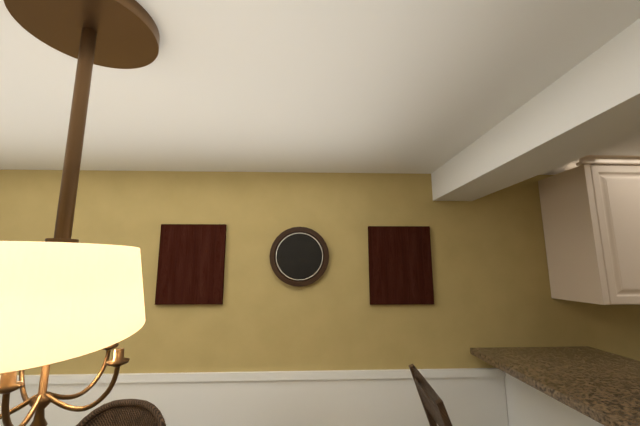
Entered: 5.32
